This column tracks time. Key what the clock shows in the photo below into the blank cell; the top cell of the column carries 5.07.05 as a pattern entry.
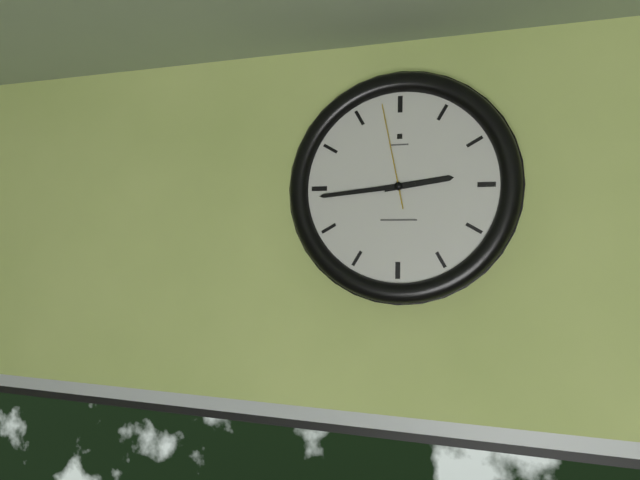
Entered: 2.44.58
